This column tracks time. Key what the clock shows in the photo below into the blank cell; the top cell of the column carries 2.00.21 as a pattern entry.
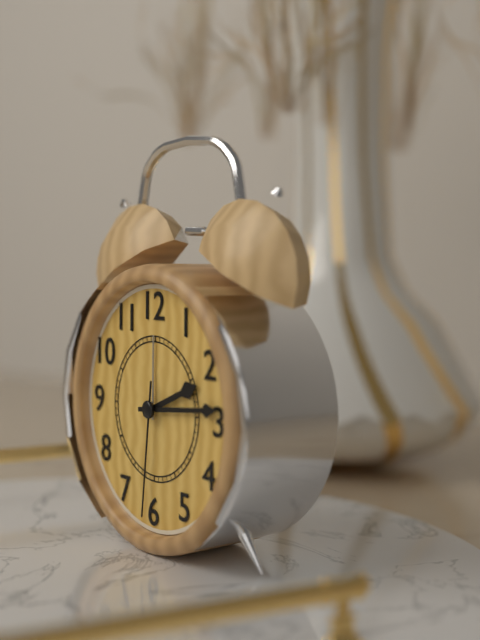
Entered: 2.14.31
